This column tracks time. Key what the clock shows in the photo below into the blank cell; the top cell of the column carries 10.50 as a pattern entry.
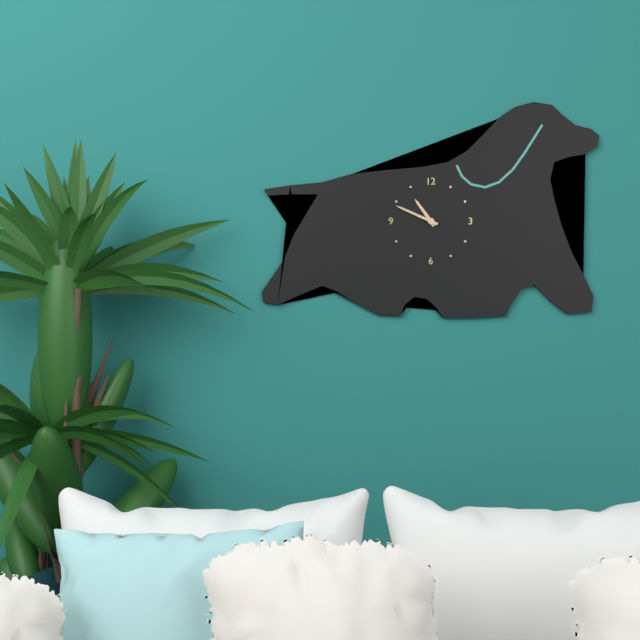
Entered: 10.49
